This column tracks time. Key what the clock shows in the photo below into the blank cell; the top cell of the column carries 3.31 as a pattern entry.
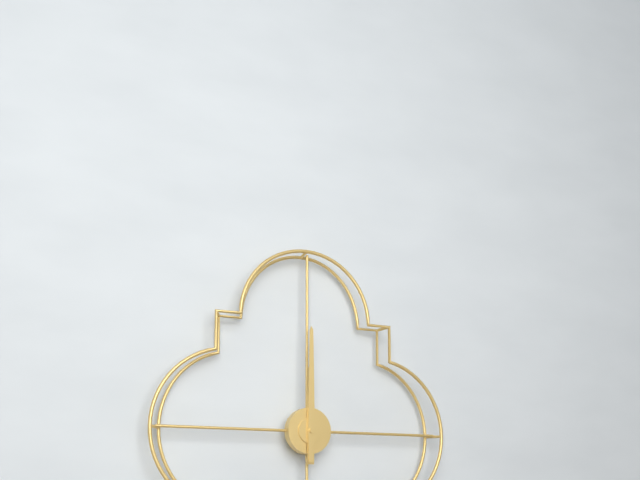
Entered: 12.00
